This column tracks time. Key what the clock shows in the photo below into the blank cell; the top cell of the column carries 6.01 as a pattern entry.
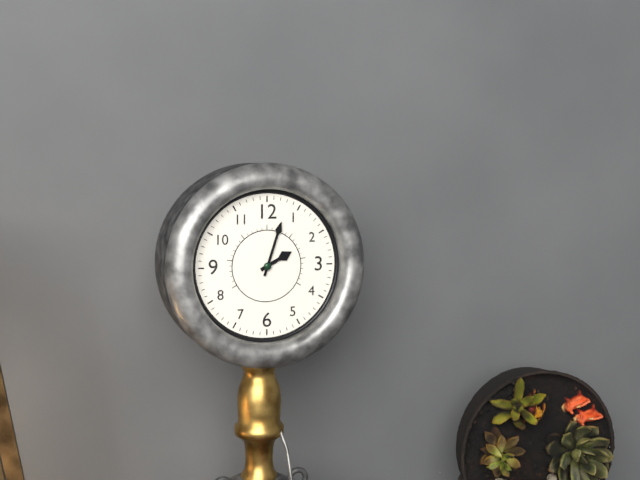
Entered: 2.03
